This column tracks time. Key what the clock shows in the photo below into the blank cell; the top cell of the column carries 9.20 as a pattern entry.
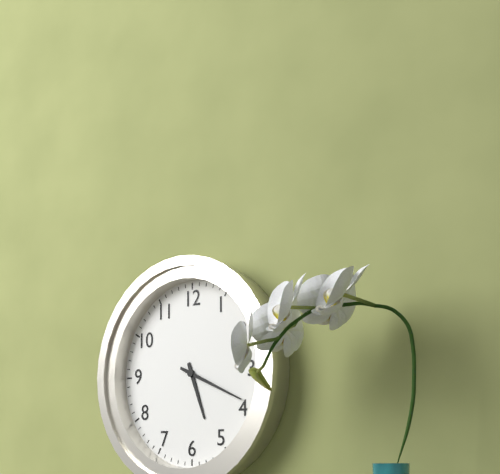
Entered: 5.19
